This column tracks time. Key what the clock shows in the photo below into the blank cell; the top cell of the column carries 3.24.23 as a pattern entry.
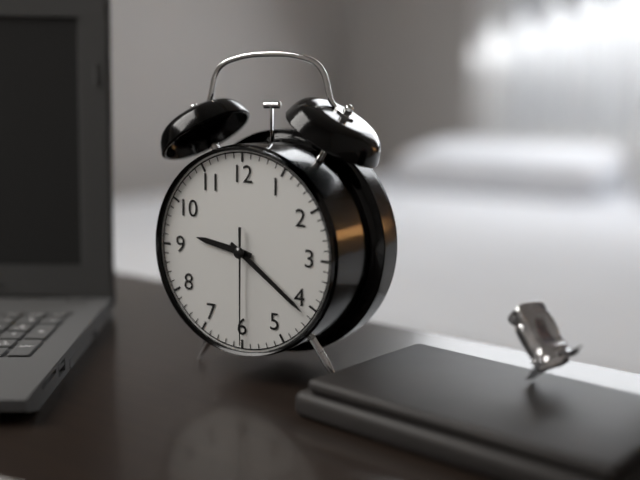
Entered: 9.21.30
